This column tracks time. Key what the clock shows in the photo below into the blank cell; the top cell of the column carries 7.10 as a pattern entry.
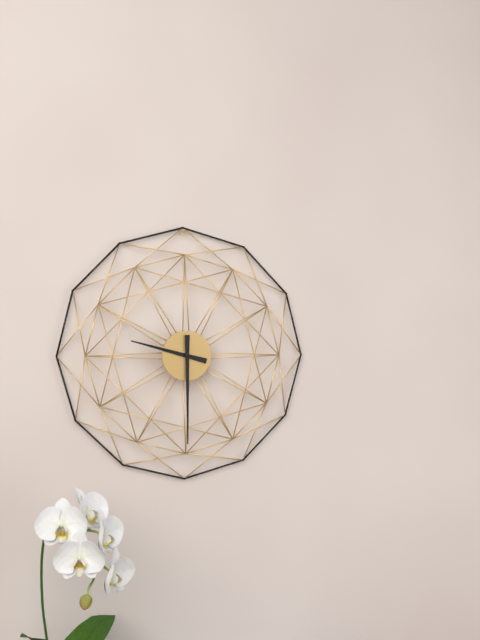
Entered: 9.30
